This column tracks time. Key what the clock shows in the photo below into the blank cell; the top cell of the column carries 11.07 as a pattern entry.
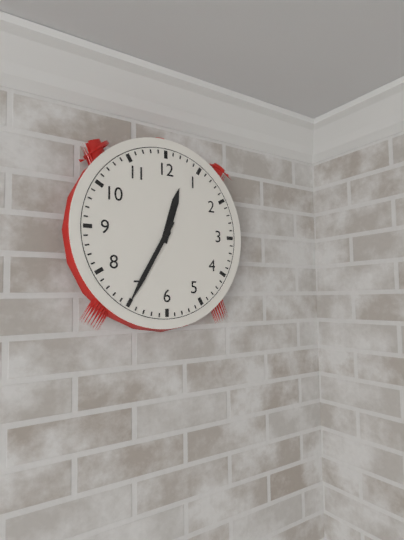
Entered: 12.35
